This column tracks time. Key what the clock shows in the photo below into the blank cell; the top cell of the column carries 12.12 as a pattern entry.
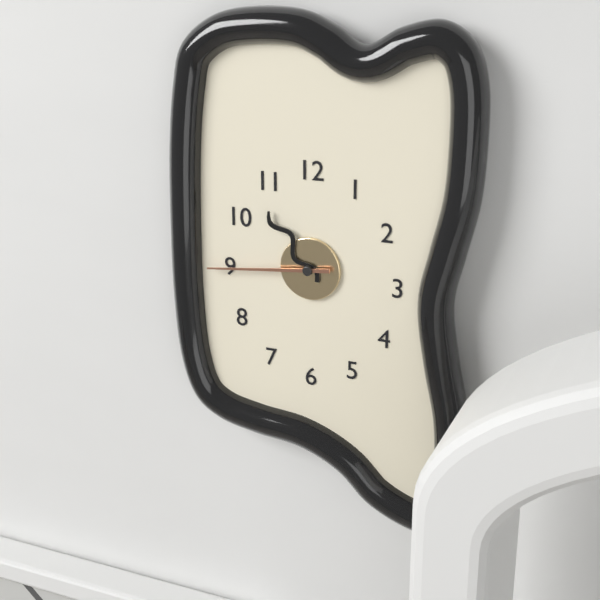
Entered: 10.44
